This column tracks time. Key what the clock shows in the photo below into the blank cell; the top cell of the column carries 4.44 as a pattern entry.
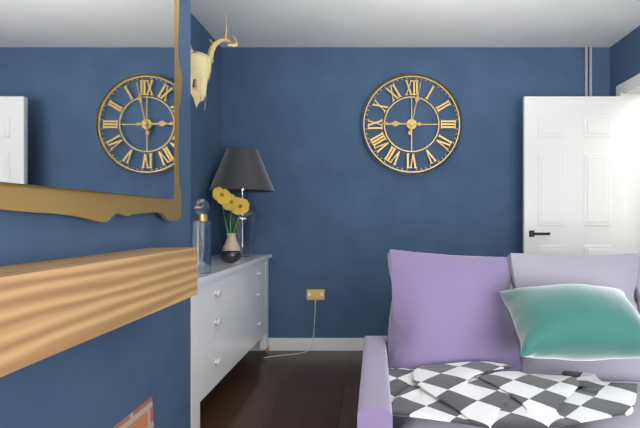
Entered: 9.02
